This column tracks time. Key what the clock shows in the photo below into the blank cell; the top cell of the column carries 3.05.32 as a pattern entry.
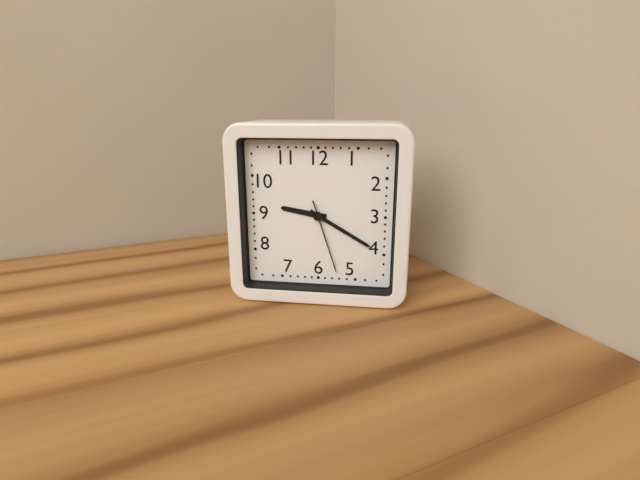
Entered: 9.20.27
